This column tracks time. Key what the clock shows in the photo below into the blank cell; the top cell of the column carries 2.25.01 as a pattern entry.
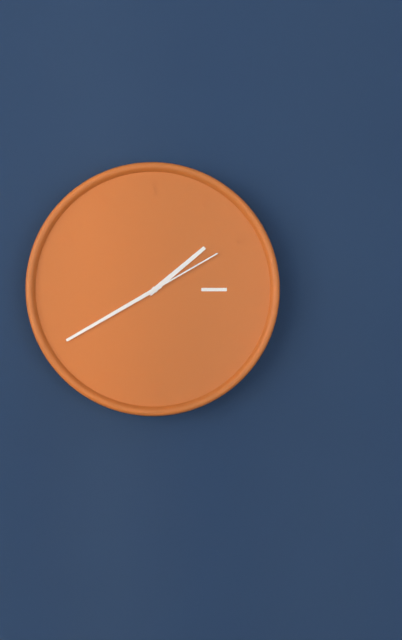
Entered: 1.40.10
